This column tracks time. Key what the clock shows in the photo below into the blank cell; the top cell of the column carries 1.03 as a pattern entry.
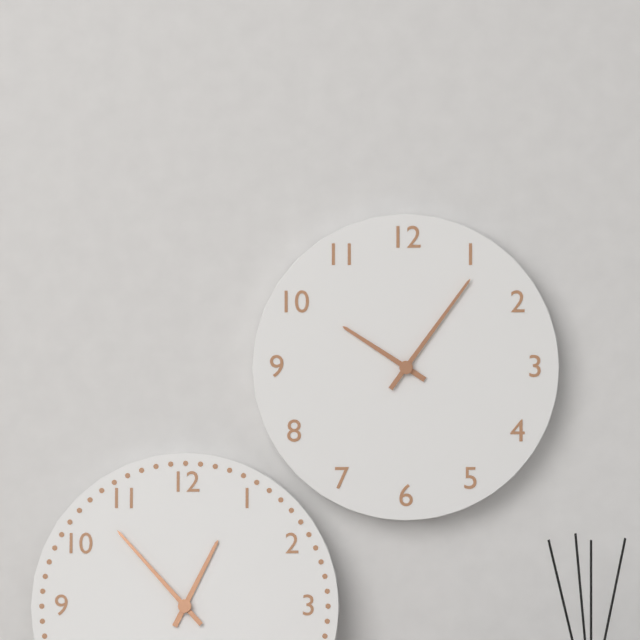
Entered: 10.06
